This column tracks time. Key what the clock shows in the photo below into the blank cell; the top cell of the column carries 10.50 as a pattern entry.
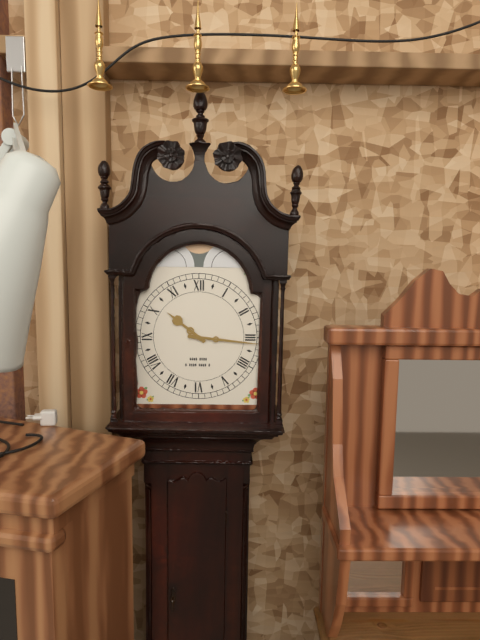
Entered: 10.16
